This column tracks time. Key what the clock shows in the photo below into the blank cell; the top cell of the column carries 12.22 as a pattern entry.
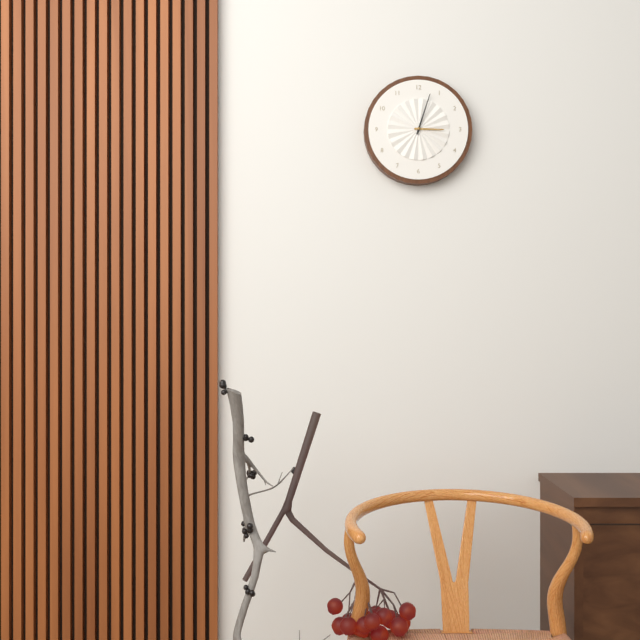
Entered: 3.03
